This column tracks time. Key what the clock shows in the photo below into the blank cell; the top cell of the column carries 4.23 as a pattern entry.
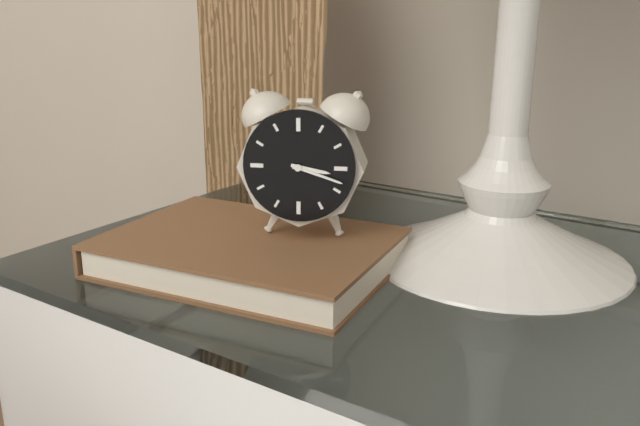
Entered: 3.18
